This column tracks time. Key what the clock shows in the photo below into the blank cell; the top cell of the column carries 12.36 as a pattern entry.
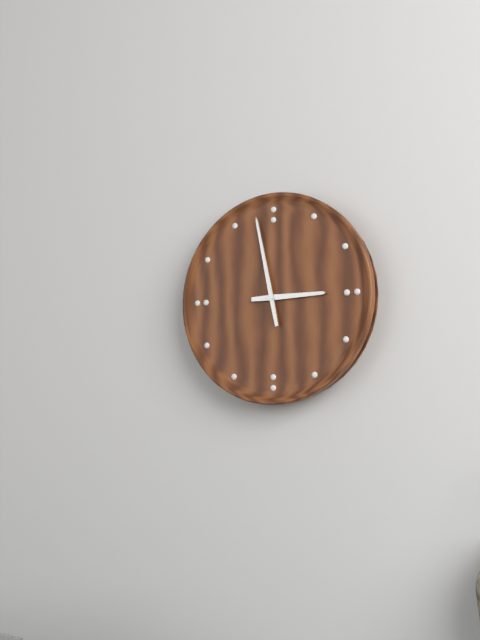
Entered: 2.58
